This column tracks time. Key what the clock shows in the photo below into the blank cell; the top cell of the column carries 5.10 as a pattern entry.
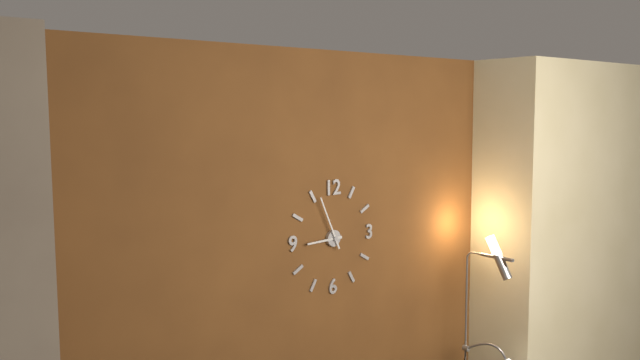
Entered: 8.56
